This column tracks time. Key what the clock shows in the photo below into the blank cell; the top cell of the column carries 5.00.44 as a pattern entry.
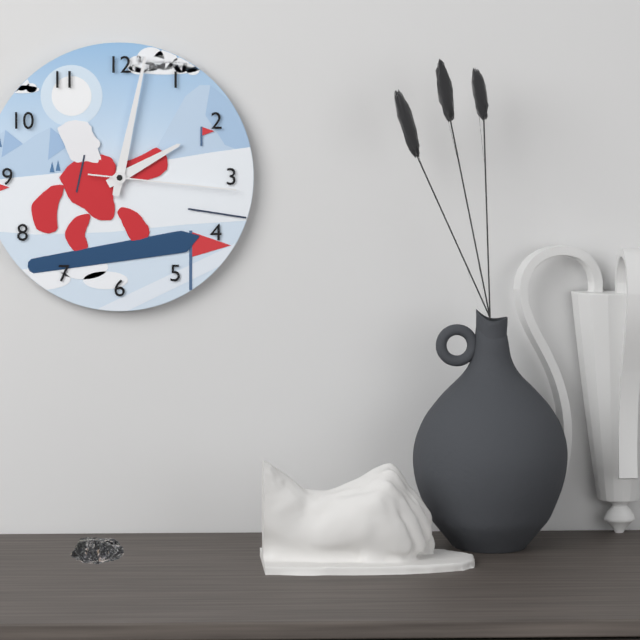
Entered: 2.02.16
